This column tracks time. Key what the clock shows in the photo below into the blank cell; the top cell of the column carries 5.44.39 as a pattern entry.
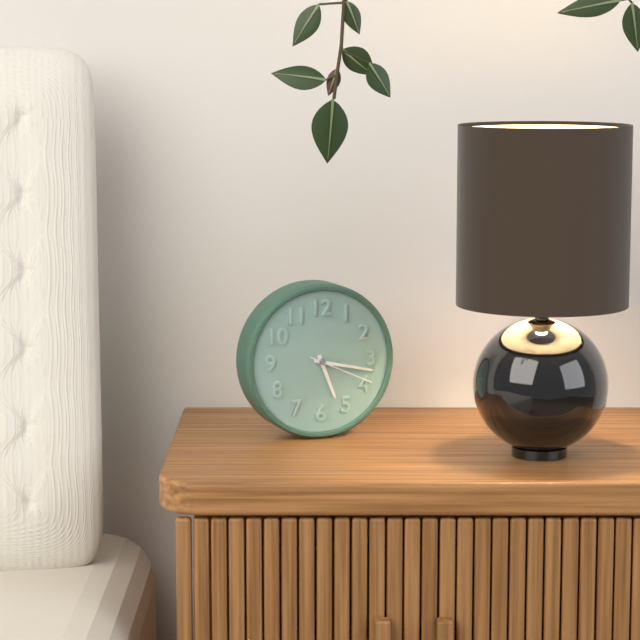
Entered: 5.17.19
